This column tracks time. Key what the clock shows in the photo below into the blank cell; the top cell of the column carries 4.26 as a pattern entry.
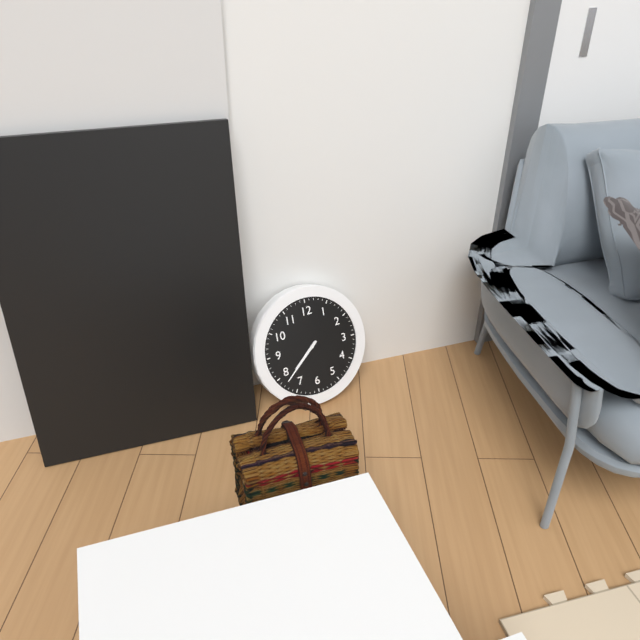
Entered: 7.38
